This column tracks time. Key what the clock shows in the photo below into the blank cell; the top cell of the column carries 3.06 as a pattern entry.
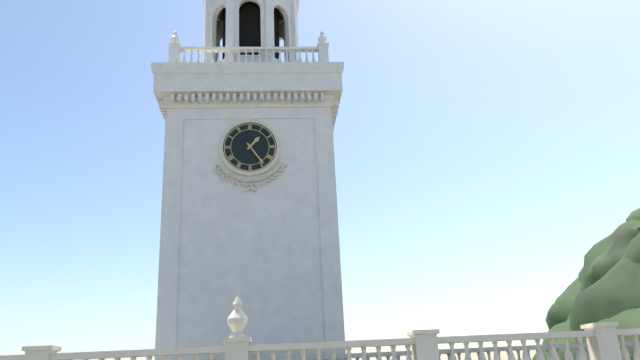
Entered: 1.24
